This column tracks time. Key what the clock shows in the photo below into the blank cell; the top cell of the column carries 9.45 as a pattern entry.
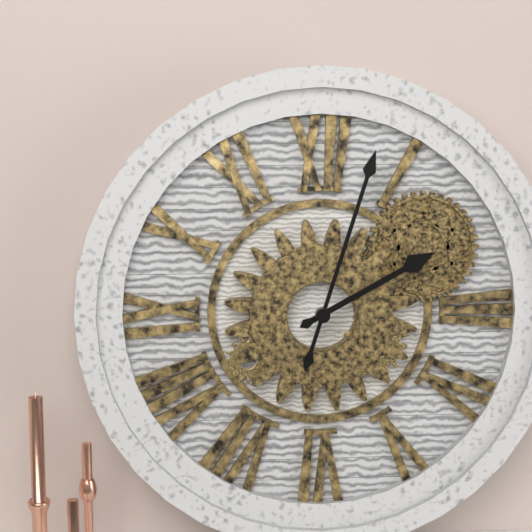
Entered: 2.03
